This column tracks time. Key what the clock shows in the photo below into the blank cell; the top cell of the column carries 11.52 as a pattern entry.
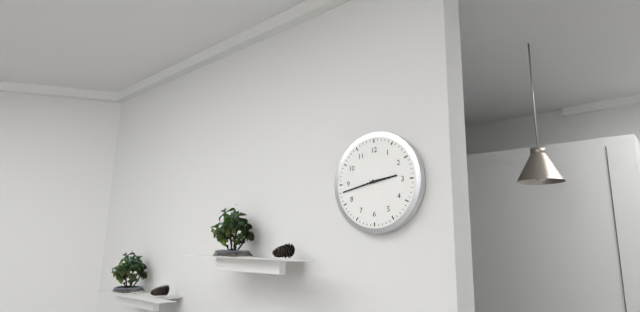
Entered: 2.43
